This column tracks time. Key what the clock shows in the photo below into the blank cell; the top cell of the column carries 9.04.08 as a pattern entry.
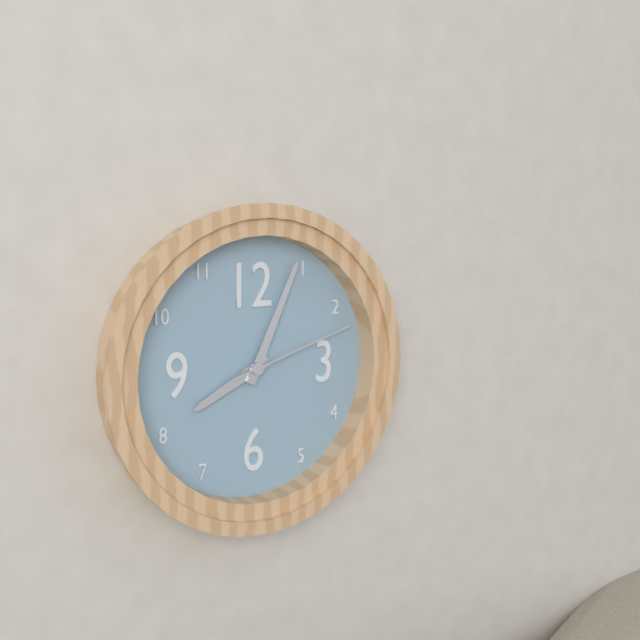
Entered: 8.04.12
